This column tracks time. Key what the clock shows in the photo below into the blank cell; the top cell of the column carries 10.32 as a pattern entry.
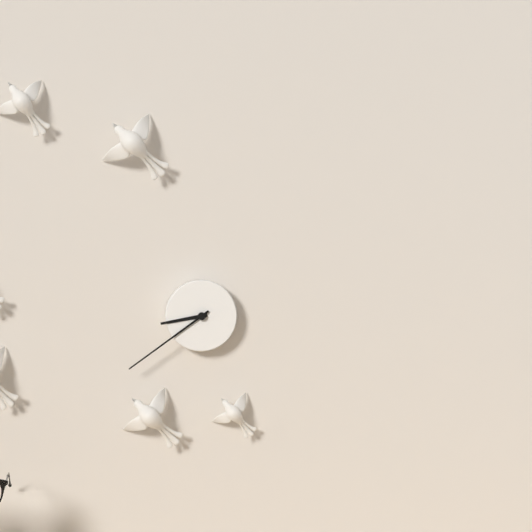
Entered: 8.39
